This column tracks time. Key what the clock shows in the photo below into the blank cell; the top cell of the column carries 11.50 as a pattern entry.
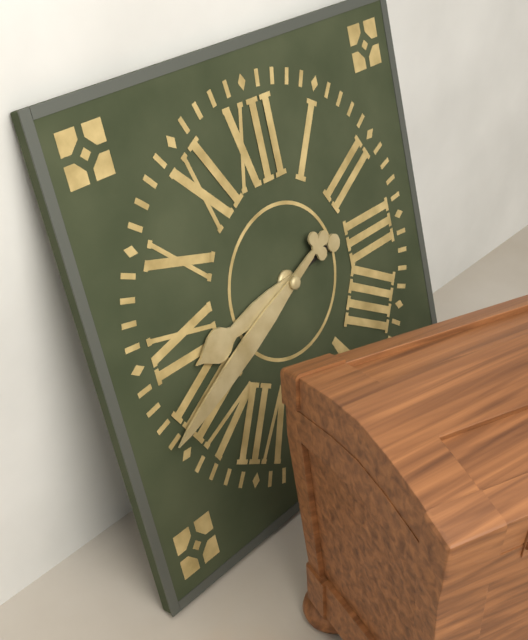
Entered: 8.41
